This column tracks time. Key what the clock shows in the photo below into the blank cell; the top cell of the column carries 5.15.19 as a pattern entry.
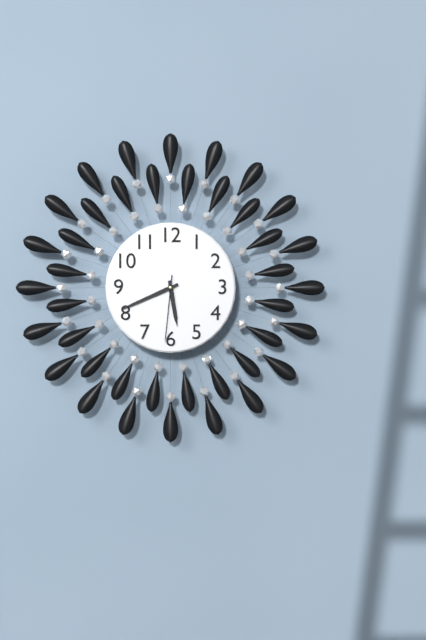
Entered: 5.41.31
